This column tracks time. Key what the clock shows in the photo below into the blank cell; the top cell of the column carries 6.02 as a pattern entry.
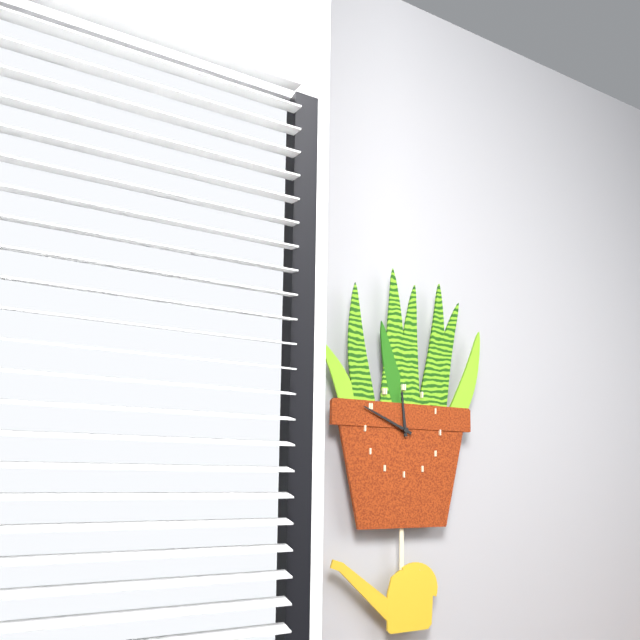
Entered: 11.49
